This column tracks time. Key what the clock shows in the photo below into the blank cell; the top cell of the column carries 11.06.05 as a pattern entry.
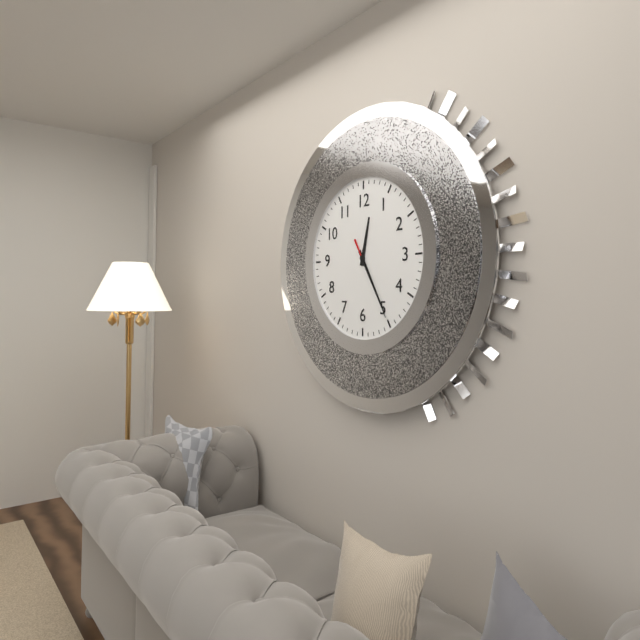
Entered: 12.25.25
